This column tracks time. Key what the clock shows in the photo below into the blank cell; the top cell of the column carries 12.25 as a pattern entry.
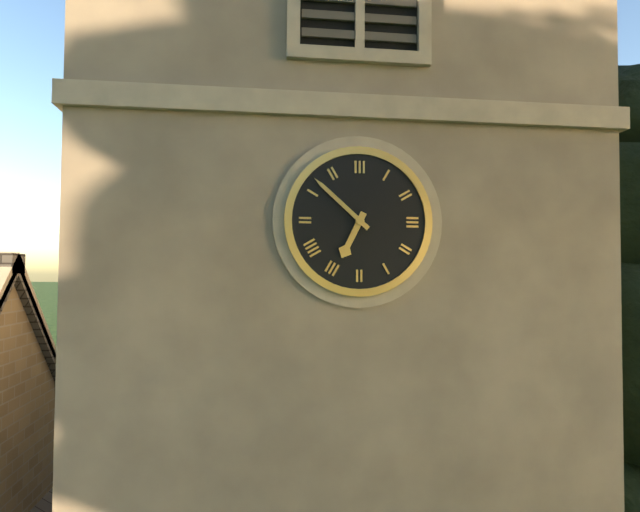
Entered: 6.52
